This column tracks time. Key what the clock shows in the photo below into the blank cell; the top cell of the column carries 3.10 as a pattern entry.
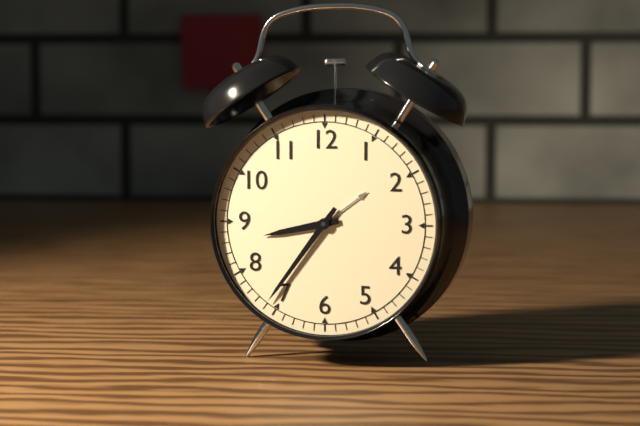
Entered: 8.36
